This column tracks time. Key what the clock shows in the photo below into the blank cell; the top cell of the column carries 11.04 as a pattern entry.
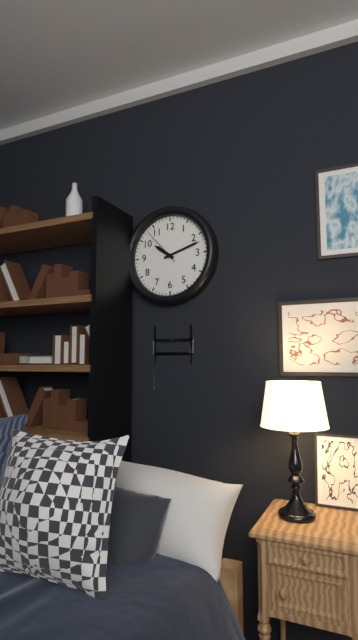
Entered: 10.12
